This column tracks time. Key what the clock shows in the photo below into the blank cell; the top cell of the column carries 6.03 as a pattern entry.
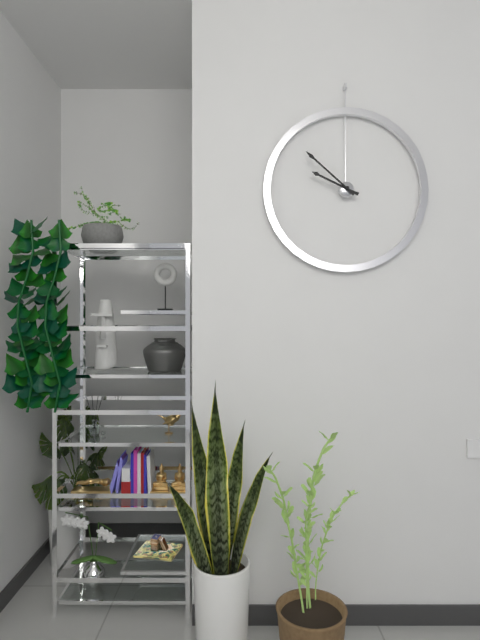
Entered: 9.52
